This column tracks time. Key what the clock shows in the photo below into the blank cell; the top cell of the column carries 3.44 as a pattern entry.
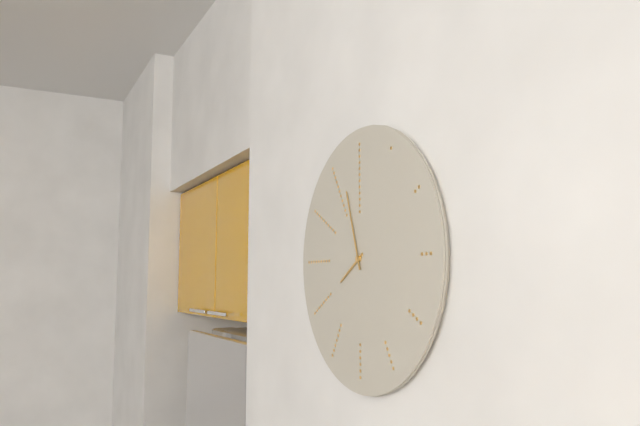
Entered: 7.57
